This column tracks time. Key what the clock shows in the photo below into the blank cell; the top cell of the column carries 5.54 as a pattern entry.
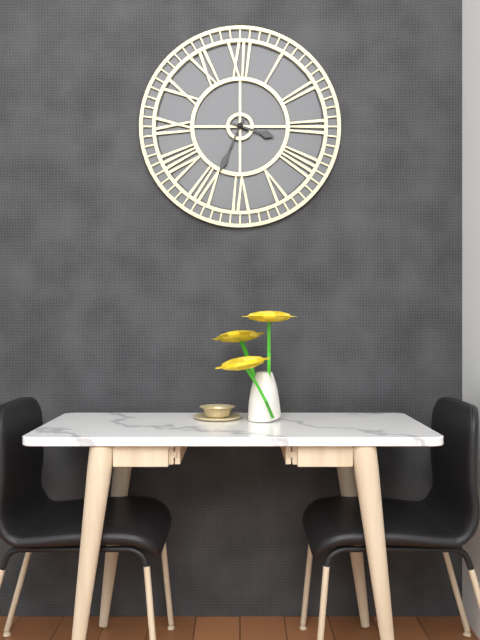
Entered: 3.34
